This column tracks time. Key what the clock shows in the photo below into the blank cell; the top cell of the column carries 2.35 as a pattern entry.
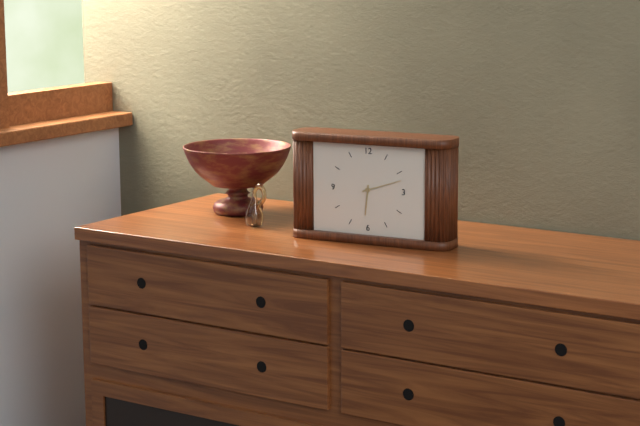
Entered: 6.12
